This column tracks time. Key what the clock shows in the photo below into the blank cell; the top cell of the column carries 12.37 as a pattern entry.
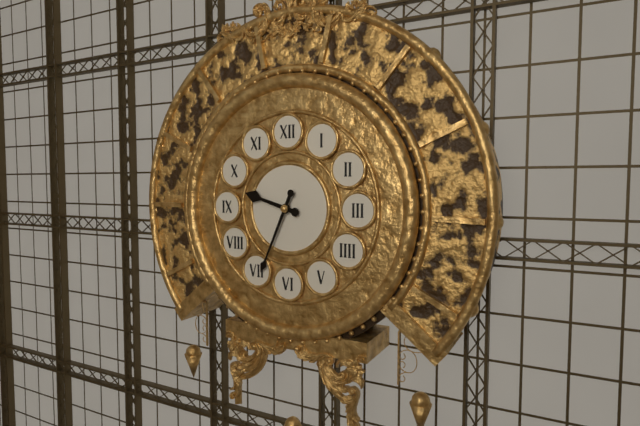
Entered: 9.34
